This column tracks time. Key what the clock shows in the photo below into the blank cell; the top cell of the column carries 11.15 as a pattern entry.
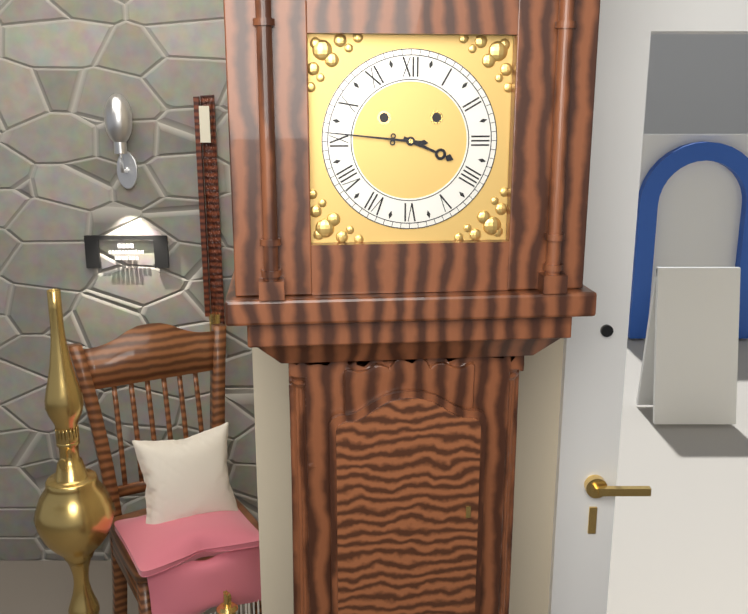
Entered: 3.46
